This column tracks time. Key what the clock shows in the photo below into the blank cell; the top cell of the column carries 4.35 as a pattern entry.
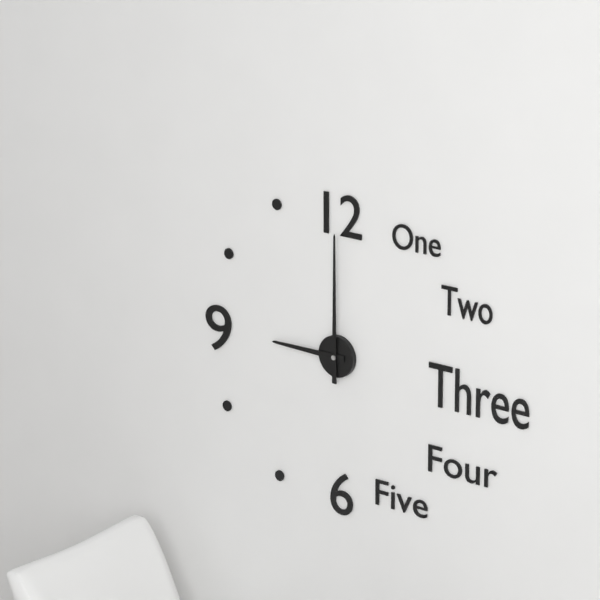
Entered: 9.00
